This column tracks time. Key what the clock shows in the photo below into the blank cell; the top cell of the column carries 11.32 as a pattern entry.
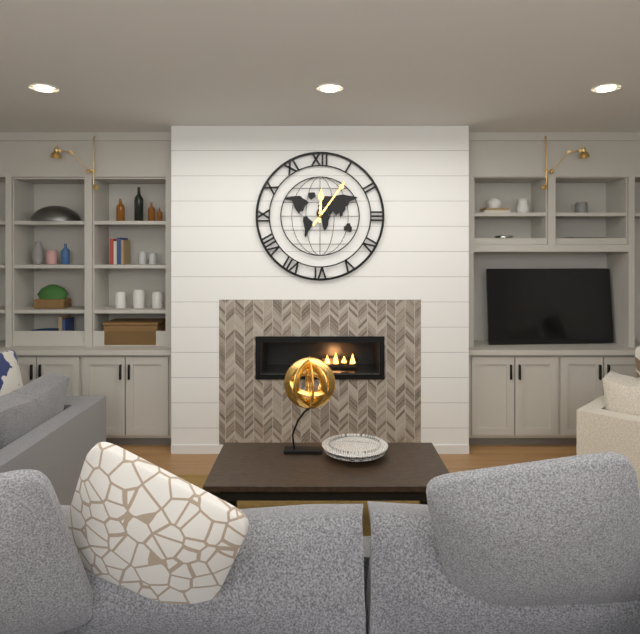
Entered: 12.06
